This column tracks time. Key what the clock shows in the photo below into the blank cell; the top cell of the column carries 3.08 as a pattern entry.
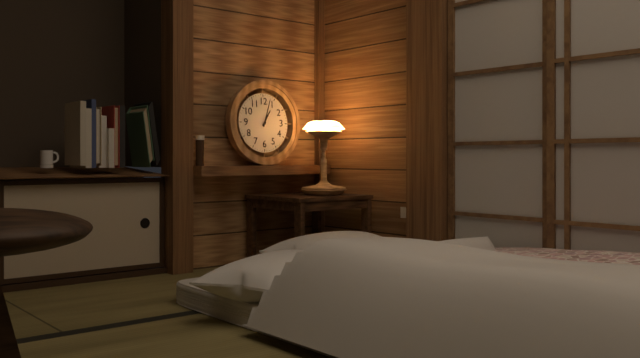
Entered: 1.03
